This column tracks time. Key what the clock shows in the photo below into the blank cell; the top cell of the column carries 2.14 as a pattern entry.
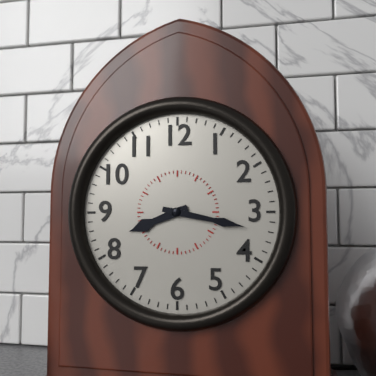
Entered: 8.17
